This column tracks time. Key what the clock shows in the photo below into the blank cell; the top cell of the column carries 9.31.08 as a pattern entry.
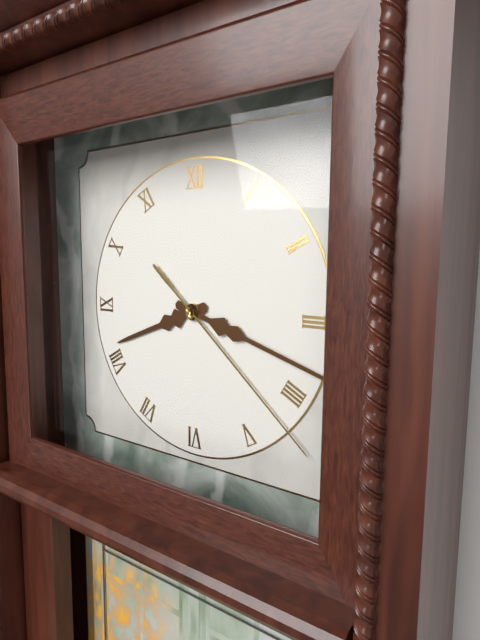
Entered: 8.18.22
